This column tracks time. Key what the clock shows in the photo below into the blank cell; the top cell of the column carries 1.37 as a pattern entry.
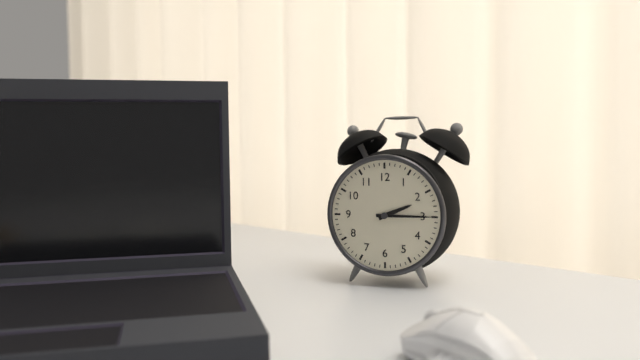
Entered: 2.15
